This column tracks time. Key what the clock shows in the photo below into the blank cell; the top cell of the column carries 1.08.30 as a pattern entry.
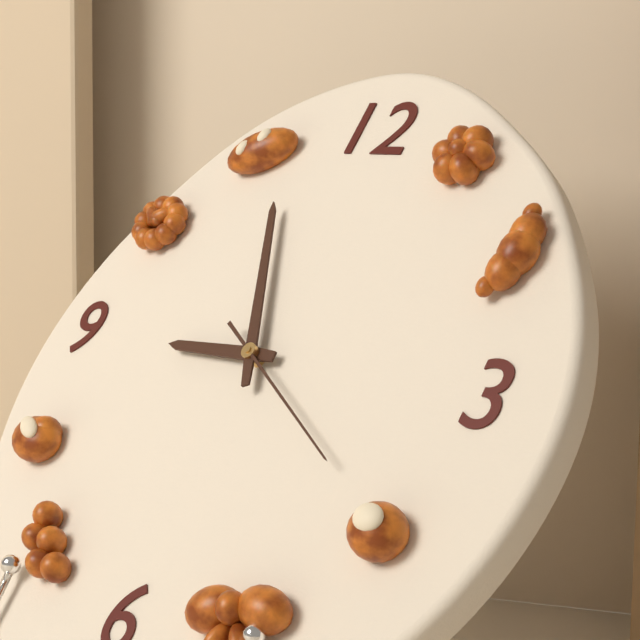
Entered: 8.56.20
